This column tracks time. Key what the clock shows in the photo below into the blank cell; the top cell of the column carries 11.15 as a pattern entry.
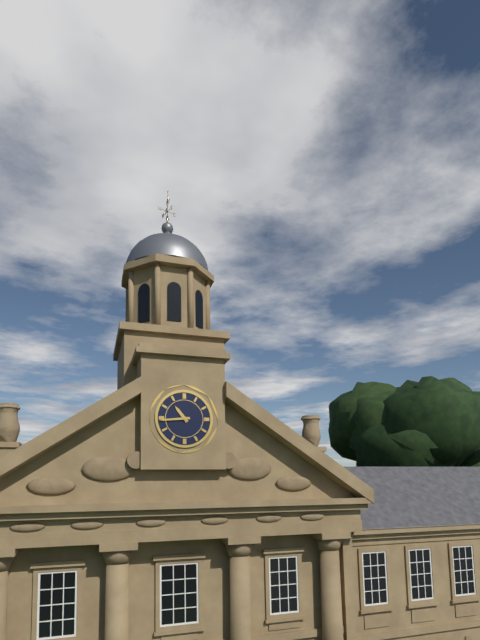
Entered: 10.44
